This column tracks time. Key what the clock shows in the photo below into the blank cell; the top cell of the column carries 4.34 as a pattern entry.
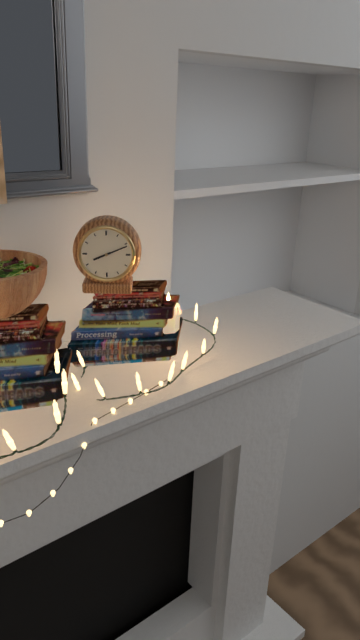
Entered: 8.11
